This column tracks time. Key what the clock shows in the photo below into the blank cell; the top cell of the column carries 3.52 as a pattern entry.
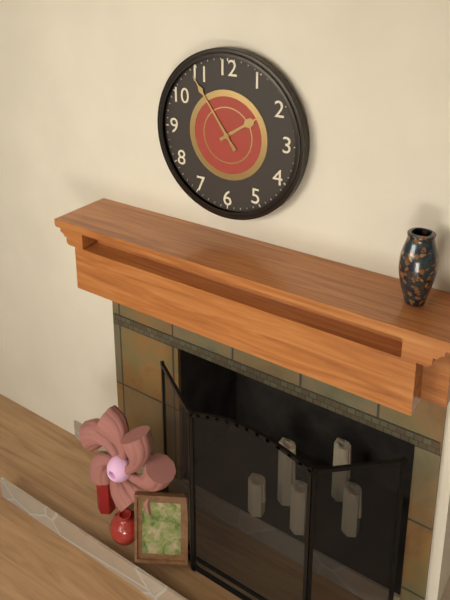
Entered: 1.54
